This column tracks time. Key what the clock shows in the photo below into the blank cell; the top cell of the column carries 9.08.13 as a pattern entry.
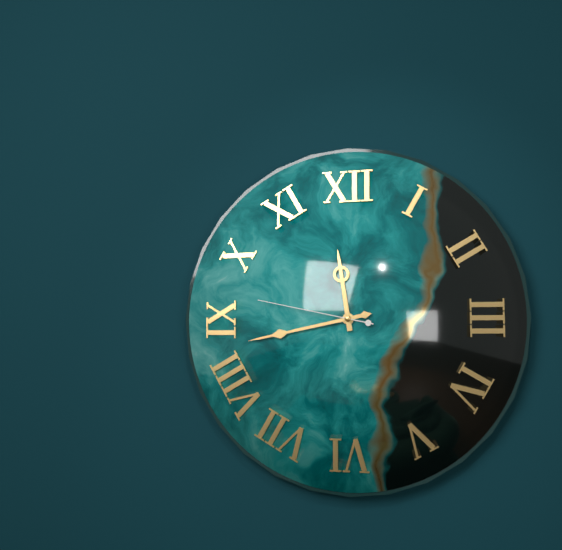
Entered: 11.43.47
